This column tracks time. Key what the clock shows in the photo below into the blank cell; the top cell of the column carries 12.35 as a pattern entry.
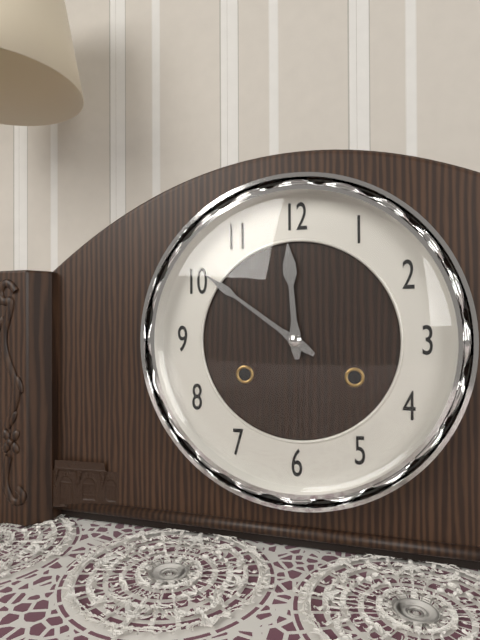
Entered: 11.51
